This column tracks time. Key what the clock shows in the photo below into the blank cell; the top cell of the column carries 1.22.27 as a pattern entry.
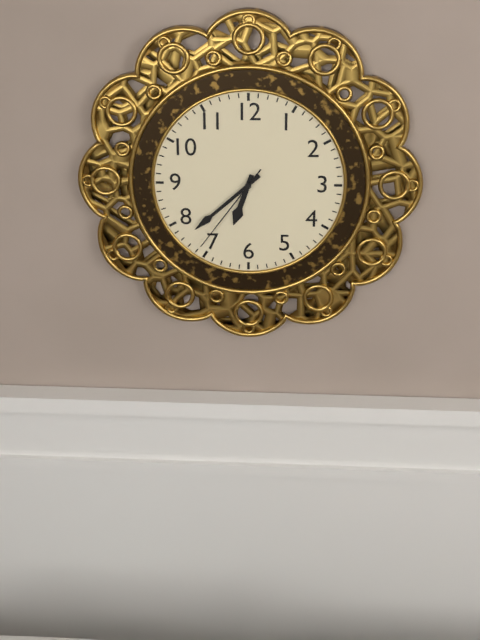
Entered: 6.38.36
